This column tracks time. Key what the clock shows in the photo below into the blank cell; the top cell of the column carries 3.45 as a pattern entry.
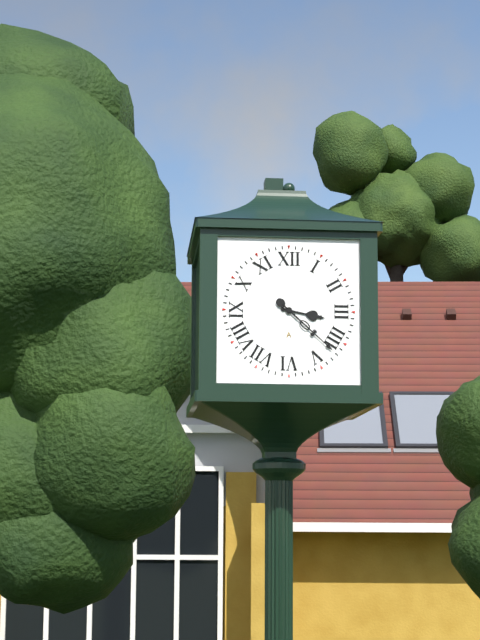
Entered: 3.22
